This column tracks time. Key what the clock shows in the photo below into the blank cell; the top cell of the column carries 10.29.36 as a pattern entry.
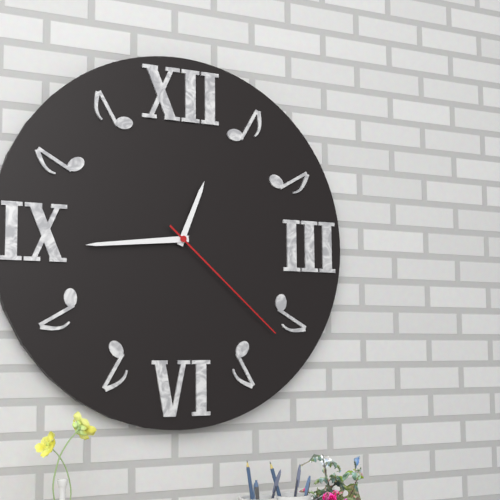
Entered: 12.44.22
